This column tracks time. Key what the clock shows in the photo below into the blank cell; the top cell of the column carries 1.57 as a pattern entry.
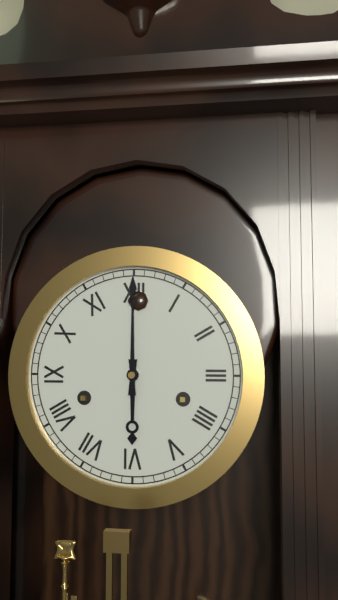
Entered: 6.00
